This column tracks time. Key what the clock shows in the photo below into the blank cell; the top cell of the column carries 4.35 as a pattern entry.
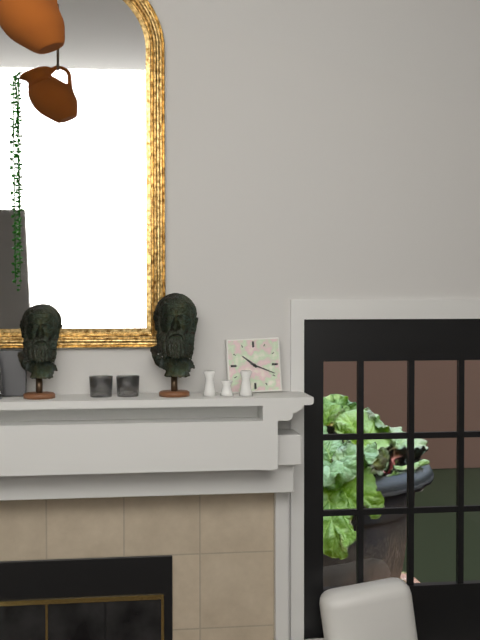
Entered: 10.19
